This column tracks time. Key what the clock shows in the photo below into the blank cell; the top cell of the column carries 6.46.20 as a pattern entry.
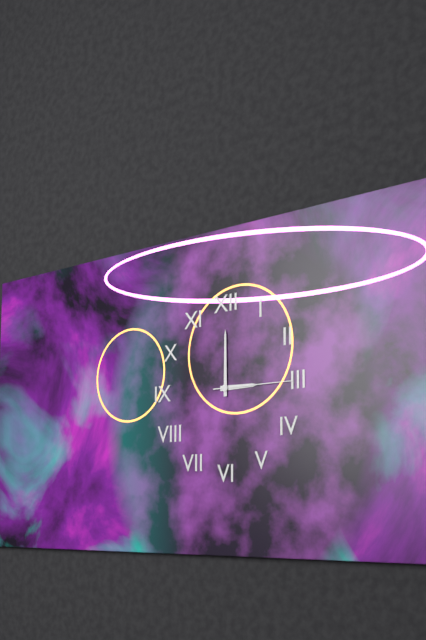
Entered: 3.00.15
